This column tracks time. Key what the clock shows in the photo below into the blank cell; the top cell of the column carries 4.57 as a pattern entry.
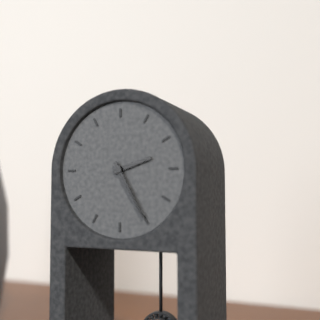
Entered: 2.25
